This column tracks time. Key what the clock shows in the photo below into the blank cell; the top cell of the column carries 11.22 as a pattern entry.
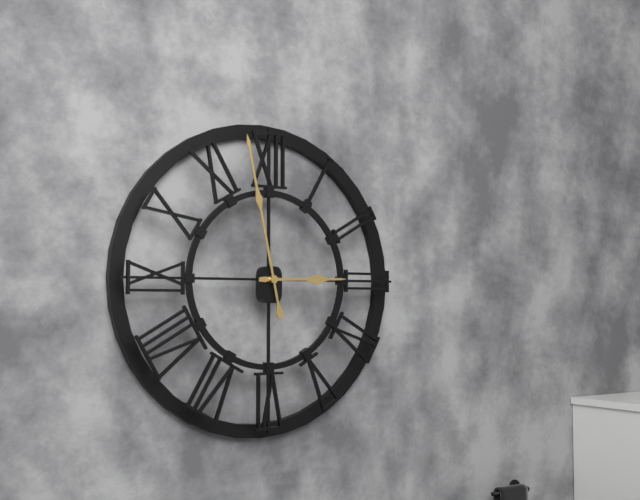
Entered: 2.58
